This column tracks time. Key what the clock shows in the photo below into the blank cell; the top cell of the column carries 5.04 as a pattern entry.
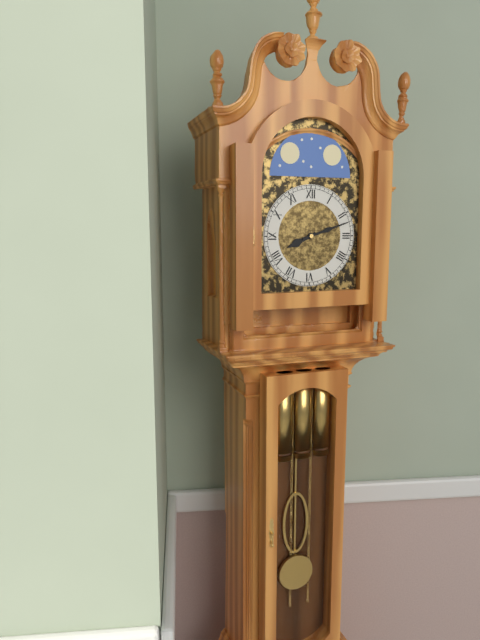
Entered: 8.12
